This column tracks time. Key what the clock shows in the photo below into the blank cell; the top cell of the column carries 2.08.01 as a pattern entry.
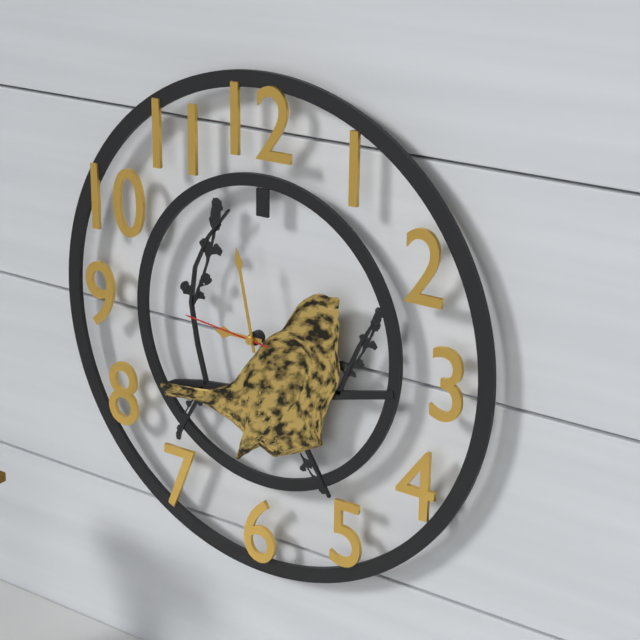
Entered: 8.58.46
